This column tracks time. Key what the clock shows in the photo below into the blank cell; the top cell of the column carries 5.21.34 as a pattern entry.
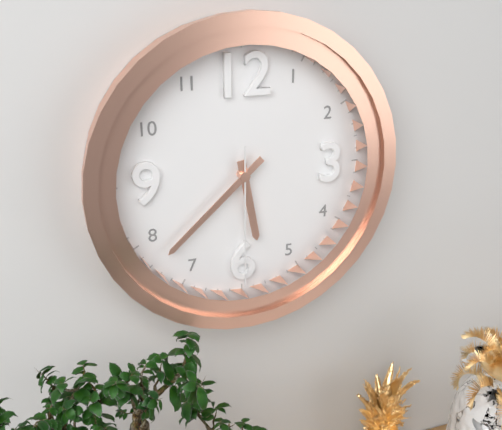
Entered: 5.38.30
